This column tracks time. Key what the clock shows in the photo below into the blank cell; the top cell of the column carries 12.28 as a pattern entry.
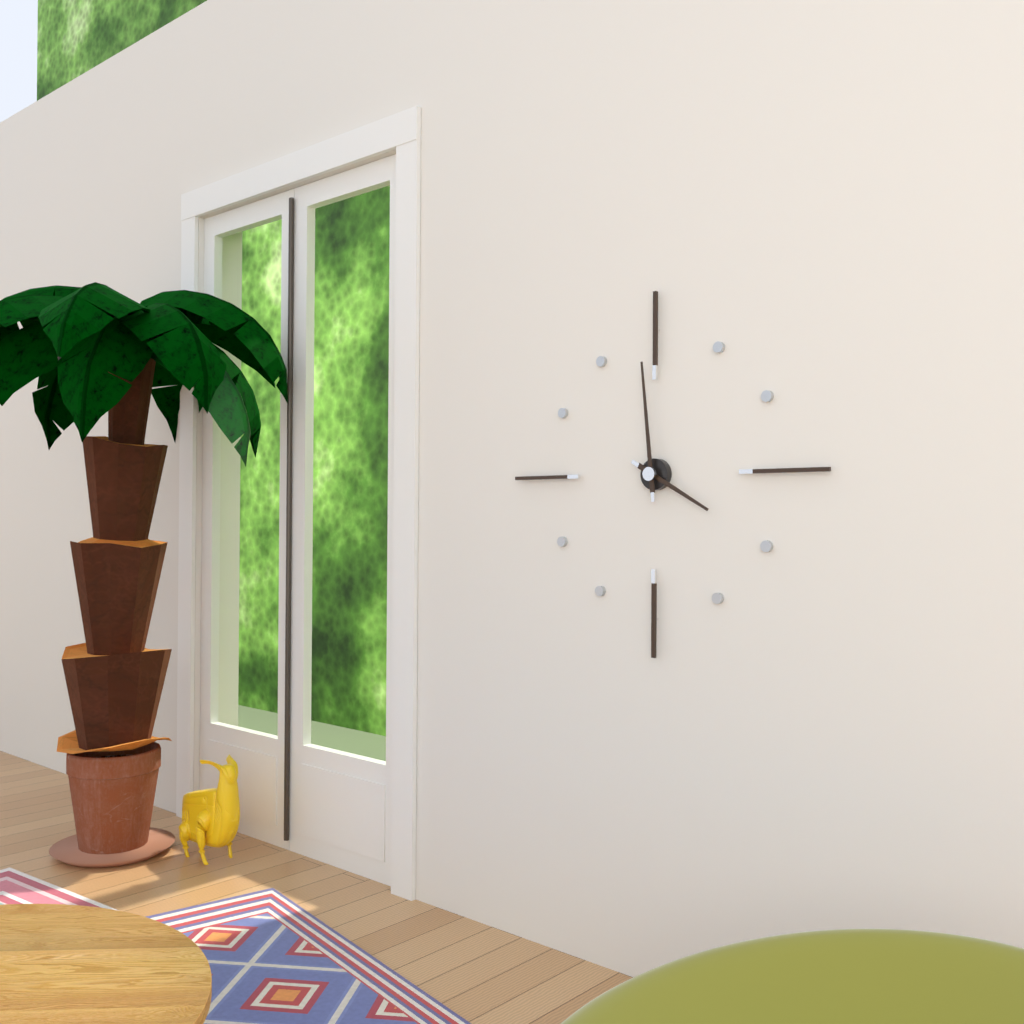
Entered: 3.59
